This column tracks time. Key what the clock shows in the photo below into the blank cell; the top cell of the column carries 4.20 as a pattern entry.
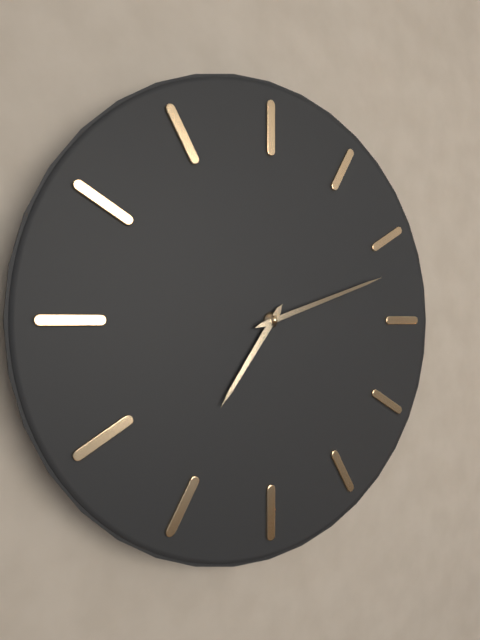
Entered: 7.12
